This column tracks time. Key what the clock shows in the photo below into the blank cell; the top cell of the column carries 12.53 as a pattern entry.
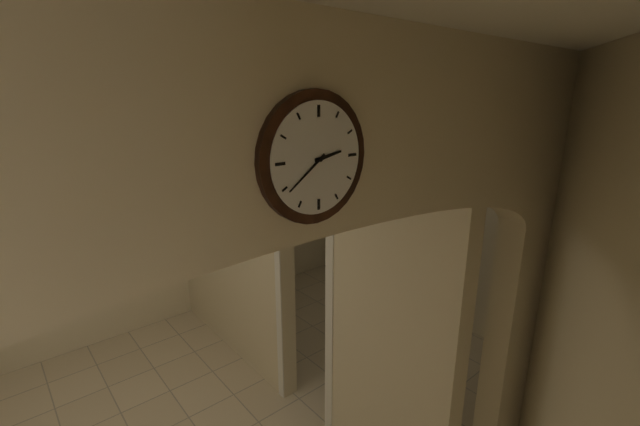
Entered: 2.39
